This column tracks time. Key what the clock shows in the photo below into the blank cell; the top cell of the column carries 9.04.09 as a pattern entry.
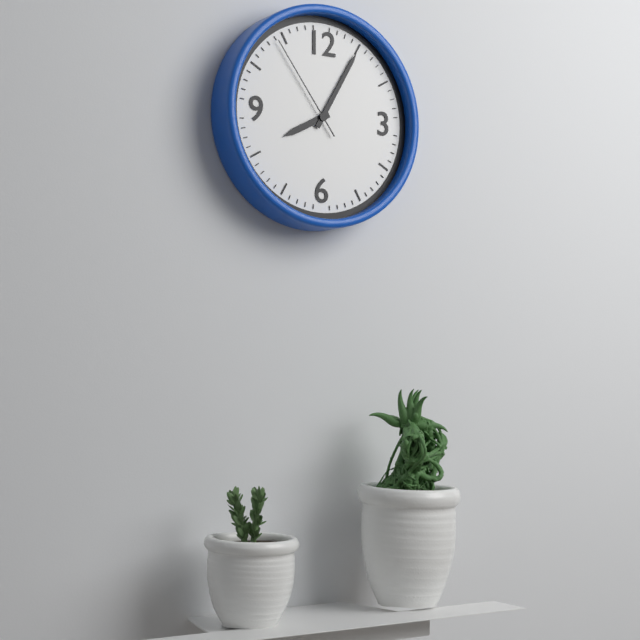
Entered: 8.05.54
